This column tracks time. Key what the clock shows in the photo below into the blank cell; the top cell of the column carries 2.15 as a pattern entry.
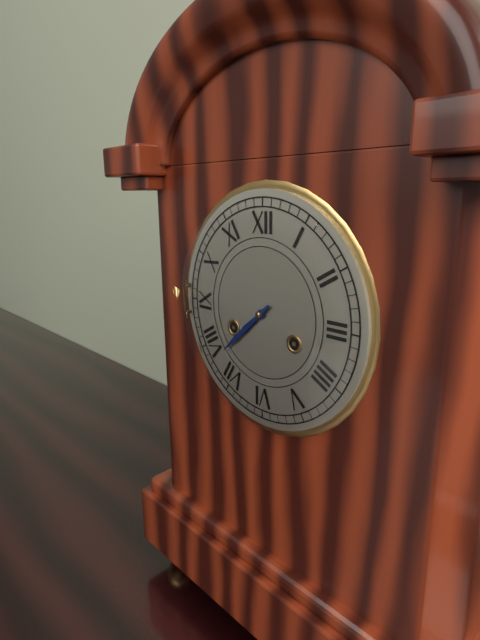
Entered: 7.38
